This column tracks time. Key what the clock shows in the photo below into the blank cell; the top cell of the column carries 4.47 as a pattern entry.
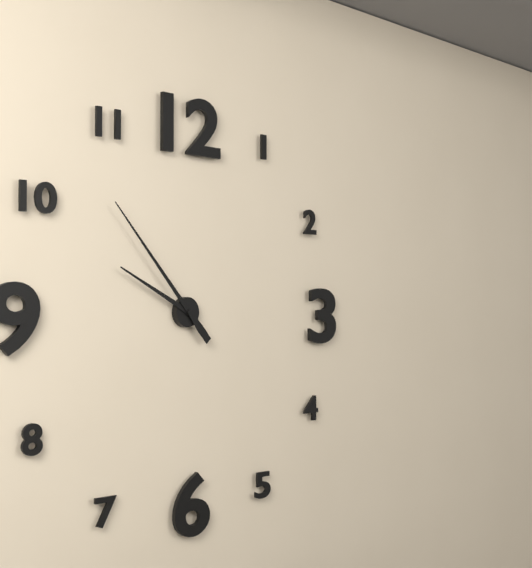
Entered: 9.53
